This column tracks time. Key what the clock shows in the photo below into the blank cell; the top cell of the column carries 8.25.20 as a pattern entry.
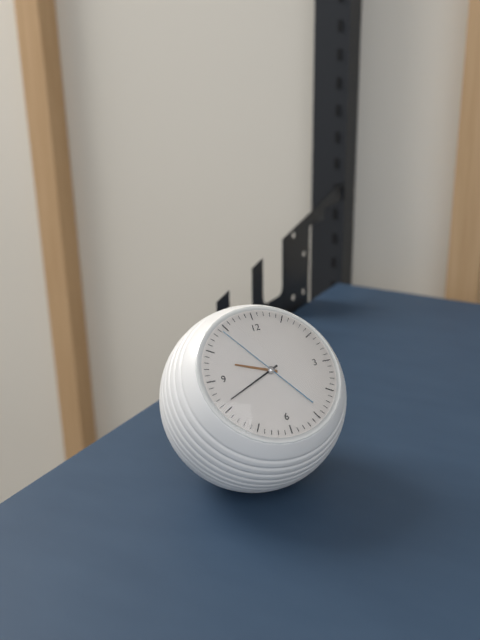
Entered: 9.41.54
